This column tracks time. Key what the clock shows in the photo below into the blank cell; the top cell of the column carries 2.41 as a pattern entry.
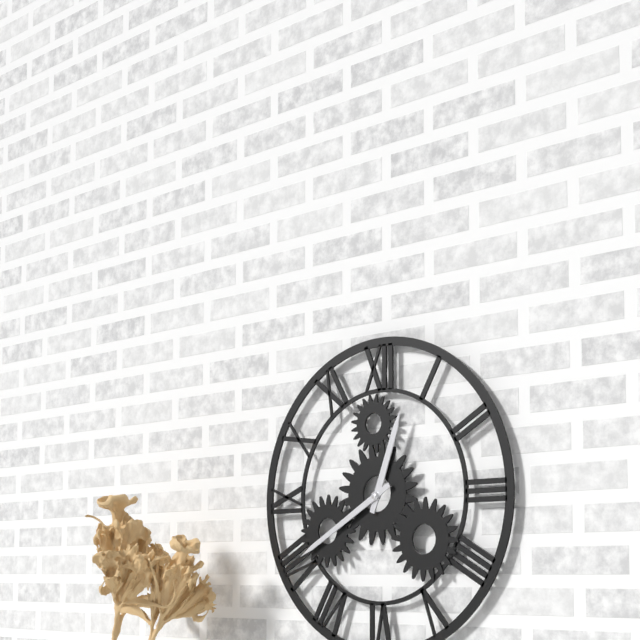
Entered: 12.40
